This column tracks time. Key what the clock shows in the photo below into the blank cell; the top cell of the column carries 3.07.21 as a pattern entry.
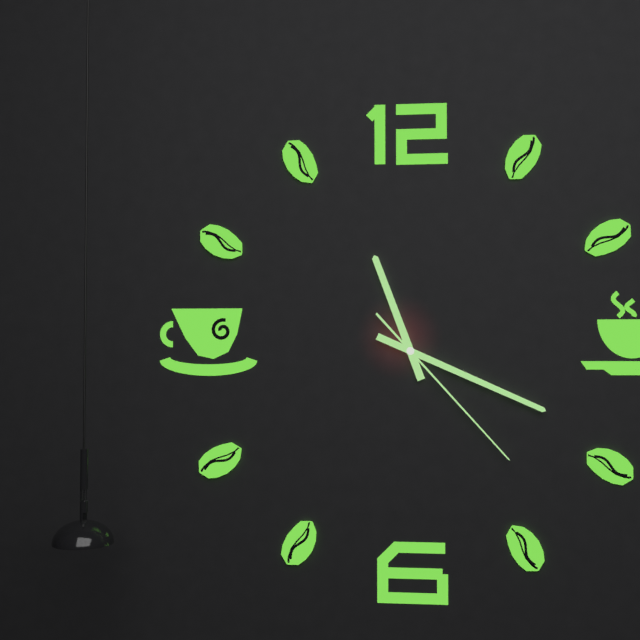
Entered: 11.19.23
